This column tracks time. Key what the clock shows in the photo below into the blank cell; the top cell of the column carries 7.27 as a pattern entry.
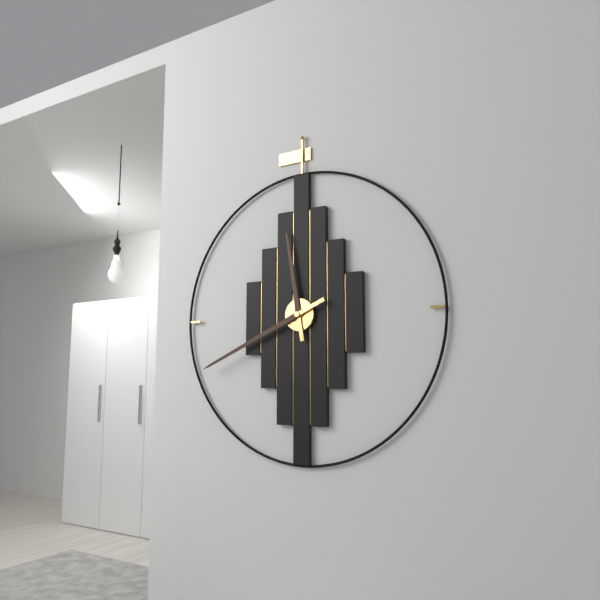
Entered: 11.41
